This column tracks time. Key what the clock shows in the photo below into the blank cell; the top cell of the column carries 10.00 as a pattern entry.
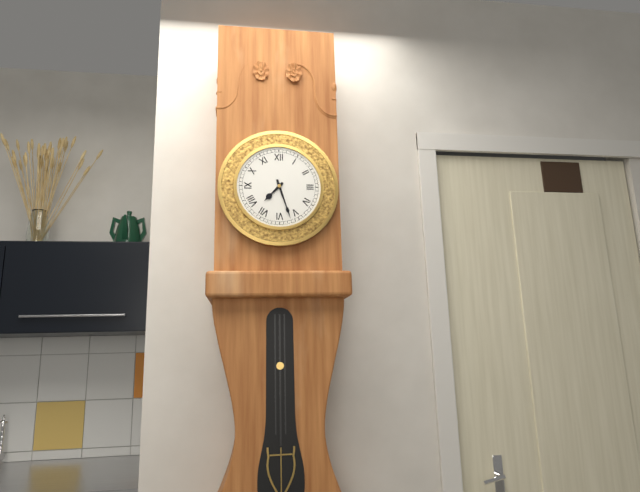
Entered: 7.27
